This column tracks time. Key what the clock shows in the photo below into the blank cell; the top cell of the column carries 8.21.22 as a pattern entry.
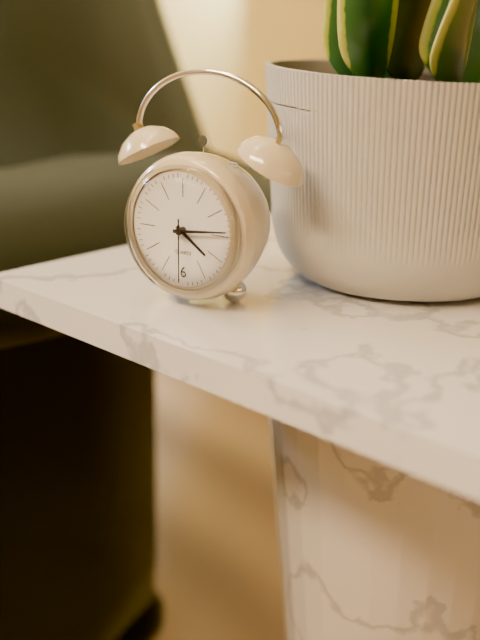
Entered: 4.14.30
